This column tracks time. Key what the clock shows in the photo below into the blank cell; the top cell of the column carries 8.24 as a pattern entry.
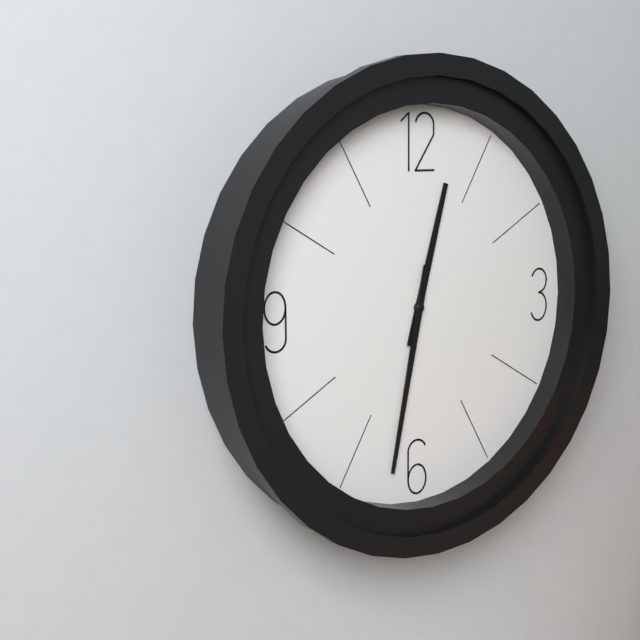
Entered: 12.32
